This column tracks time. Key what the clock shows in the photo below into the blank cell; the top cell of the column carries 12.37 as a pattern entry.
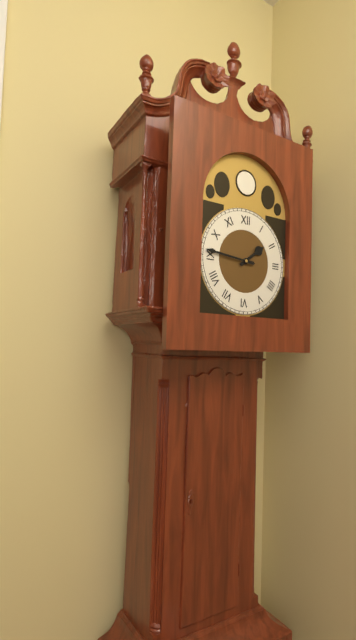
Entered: 1.46
